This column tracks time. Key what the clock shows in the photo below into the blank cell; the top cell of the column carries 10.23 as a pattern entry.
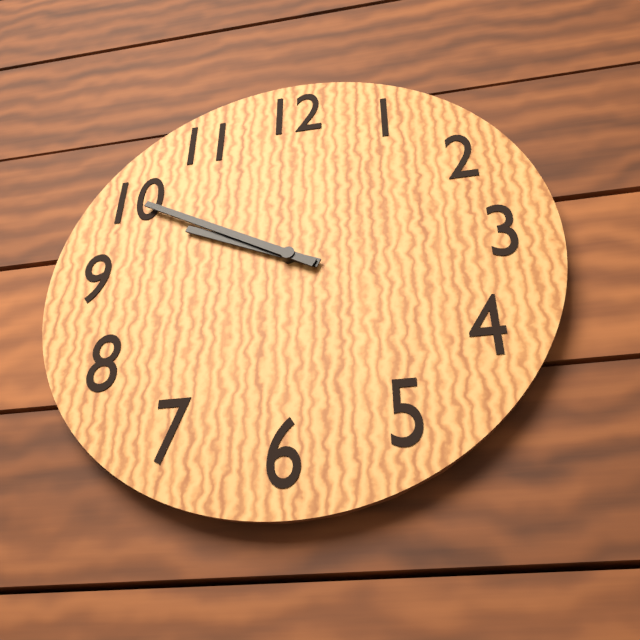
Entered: 9.50
